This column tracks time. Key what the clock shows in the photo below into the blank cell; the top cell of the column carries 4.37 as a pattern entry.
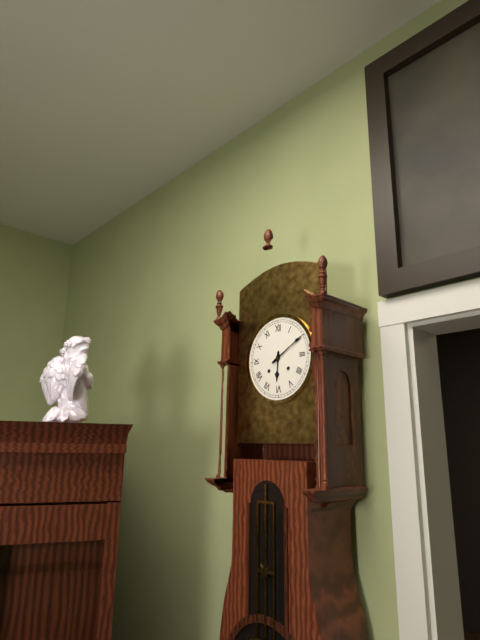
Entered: 6.10
